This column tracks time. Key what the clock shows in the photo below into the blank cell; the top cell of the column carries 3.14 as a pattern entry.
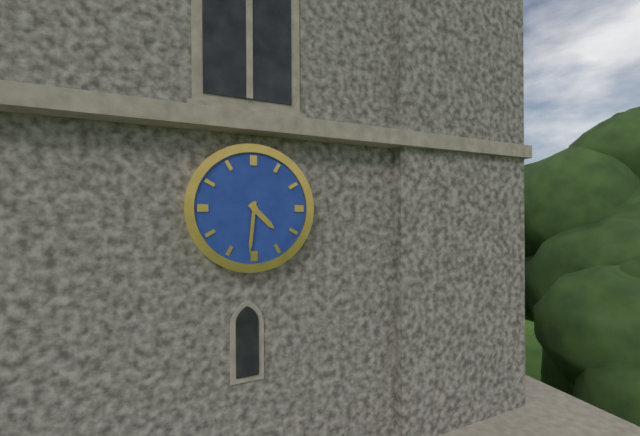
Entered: 4.31
